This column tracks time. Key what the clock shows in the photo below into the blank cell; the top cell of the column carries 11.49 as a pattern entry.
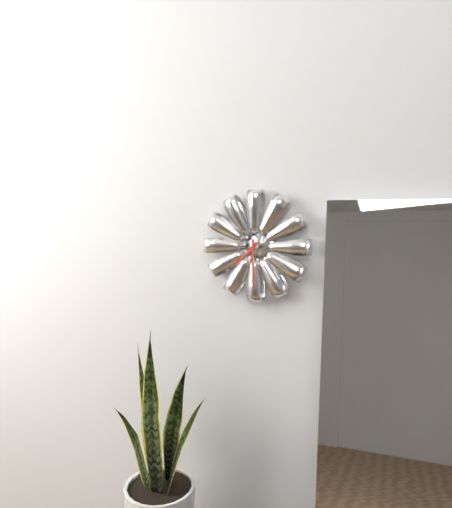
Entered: 7.30
